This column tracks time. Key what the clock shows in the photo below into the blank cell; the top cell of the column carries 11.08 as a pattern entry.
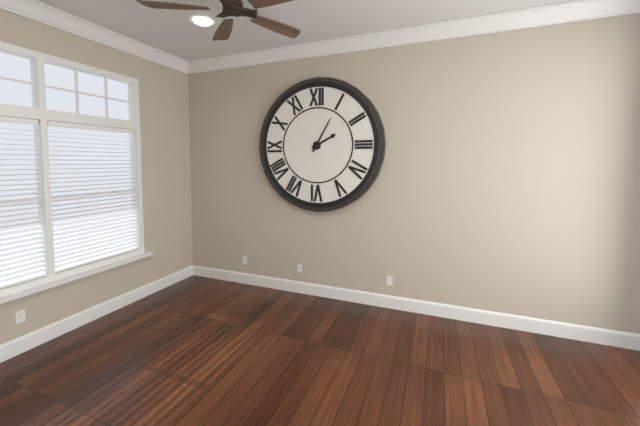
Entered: 2.05
